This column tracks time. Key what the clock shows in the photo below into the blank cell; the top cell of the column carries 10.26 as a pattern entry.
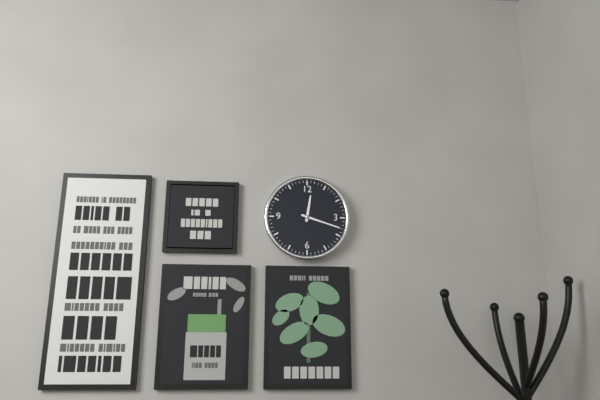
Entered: 12.18
